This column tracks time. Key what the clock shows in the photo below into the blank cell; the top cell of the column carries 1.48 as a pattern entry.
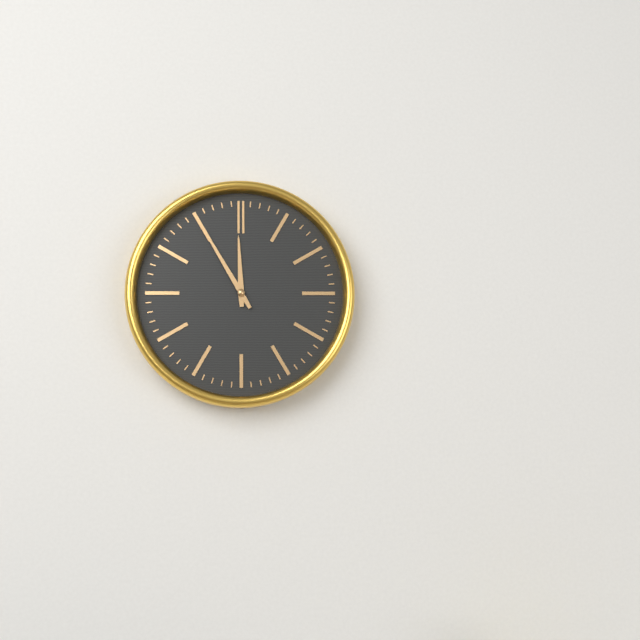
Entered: 11.55
